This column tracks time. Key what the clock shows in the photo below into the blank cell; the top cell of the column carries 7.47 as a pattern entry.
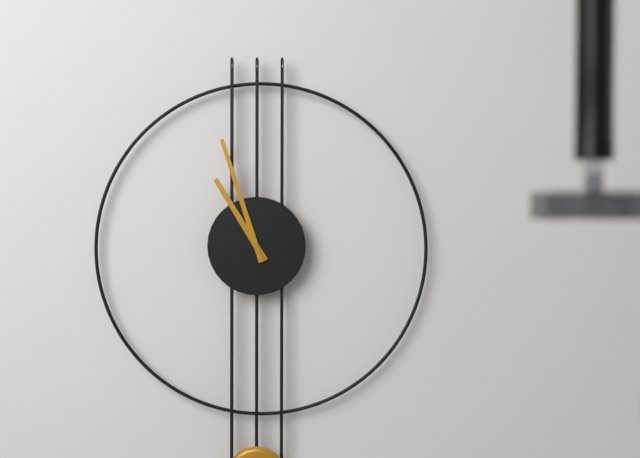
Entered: 10.57
